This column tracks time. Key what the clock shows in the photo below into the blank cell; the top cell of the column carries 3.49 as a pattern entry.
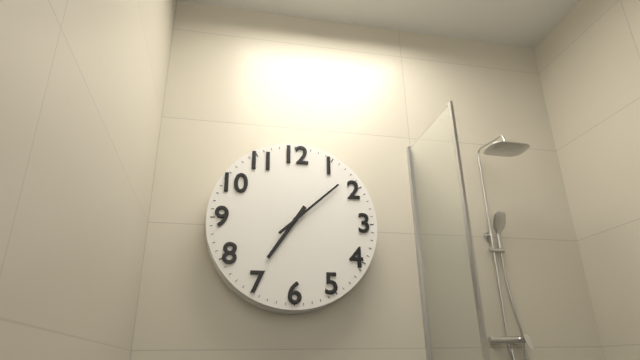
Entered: 7.08
